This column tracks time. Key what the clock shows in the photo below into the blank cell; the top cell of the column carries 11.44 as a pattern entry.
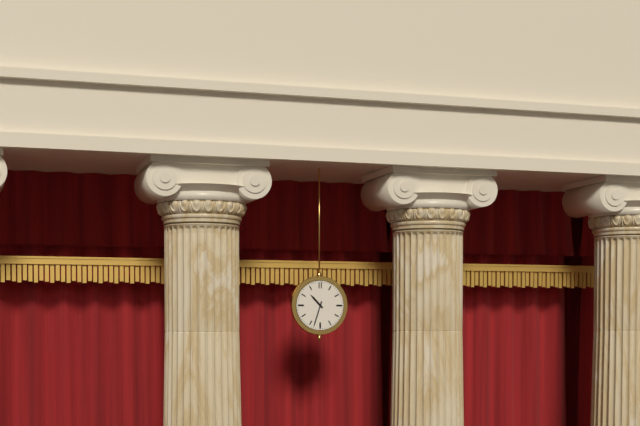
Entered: 10.33
